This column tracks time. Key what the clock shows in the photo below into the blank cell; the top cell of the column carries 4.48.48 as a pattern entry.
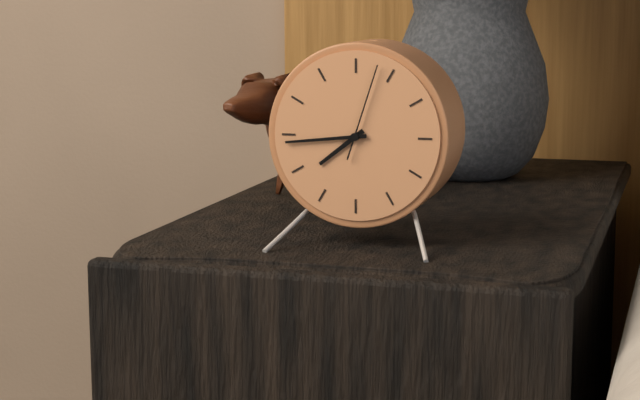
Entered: 7.44.03
